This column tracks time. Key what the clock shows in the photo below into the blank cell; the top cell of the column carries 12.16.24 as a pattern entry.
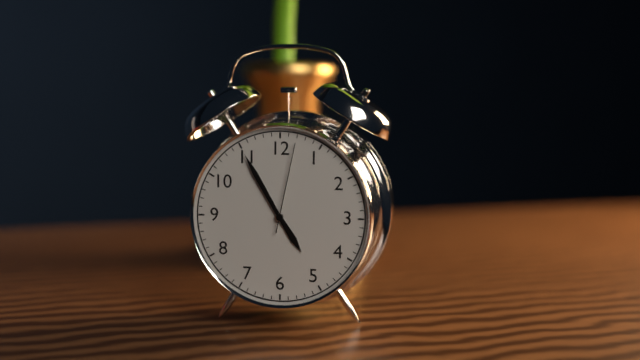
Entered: 4.55.02
